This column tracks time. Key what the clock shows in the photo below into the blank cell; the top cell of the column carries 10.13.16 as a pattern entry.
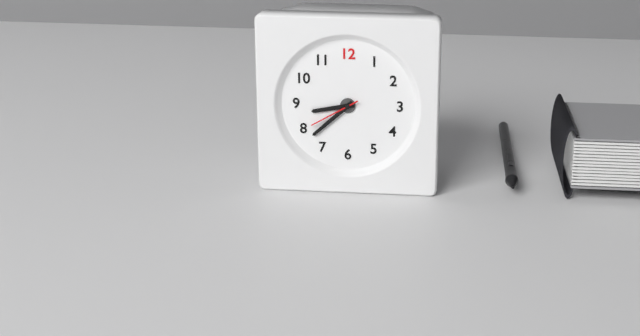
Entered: 8.38.40
